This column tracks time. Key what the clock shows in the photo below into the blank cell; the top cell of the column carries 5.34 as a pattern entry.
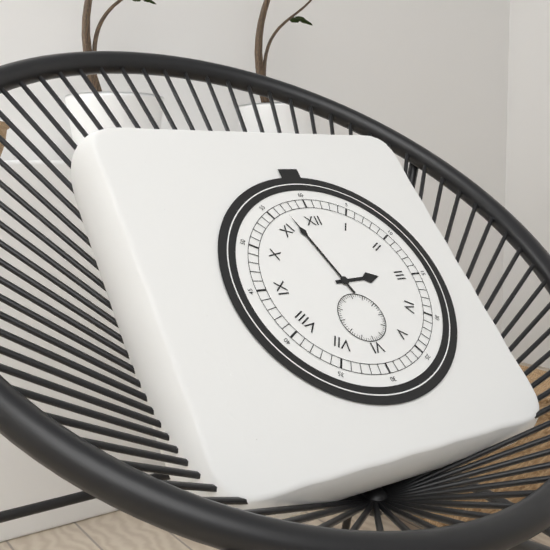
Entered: 2.57
